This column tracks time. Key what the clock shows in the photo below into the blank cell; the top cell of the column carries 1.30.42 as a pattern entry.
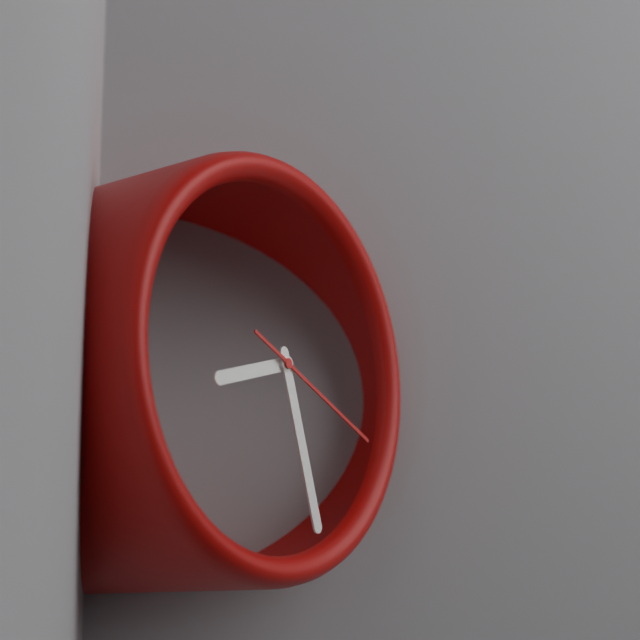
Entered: 8.27.19
